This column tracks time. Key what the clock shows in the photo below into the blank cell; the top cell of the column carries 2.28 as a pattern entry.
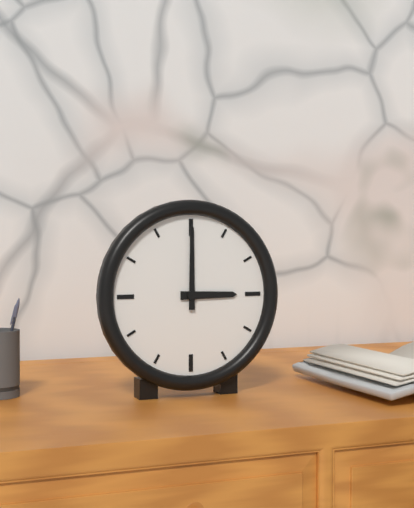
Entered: 3.00
